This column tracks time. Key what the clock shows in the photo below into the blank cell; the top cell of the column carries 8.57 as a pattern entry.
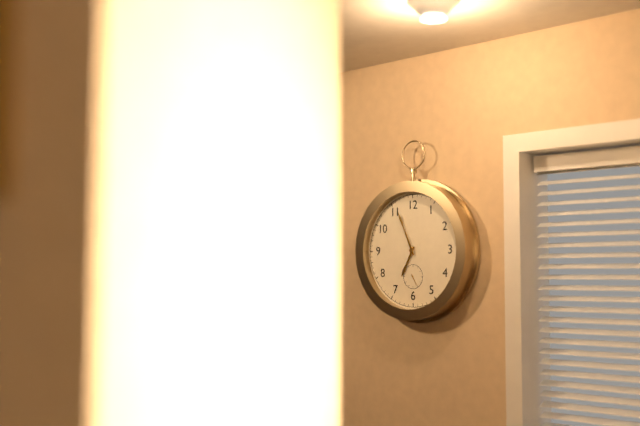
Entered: 6.56
